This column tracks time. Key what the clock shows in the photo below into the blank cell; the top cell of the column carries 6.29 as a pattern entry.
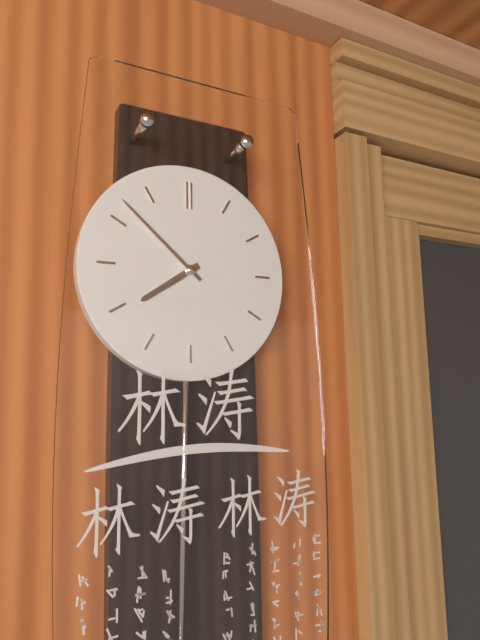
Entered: 7.52
